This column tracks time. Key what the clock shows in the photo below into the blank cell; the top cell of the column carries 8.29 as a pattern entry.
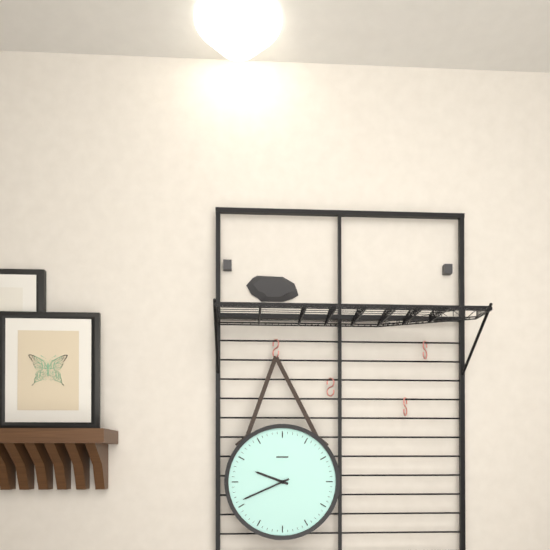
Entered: 9.41
